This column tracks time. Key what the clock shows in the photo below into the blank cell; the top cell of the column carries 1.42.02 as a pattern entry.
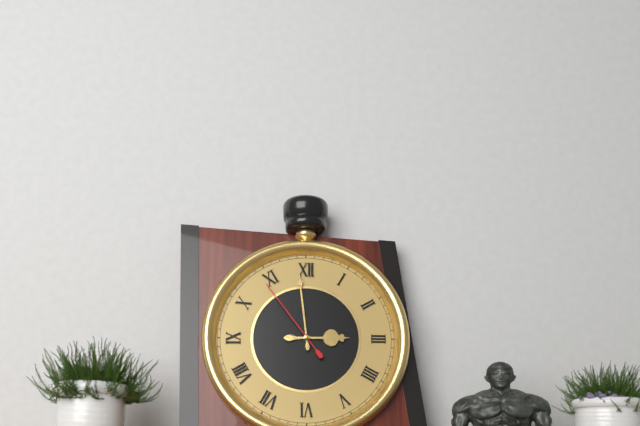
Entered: 2.59.54
